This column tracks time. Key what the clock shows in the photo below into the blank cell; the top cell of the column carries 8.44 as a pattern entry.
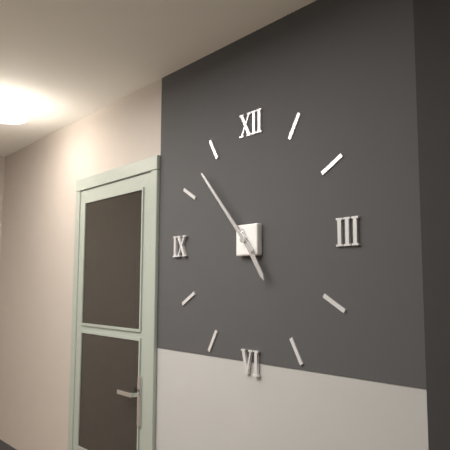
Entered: 4.53
